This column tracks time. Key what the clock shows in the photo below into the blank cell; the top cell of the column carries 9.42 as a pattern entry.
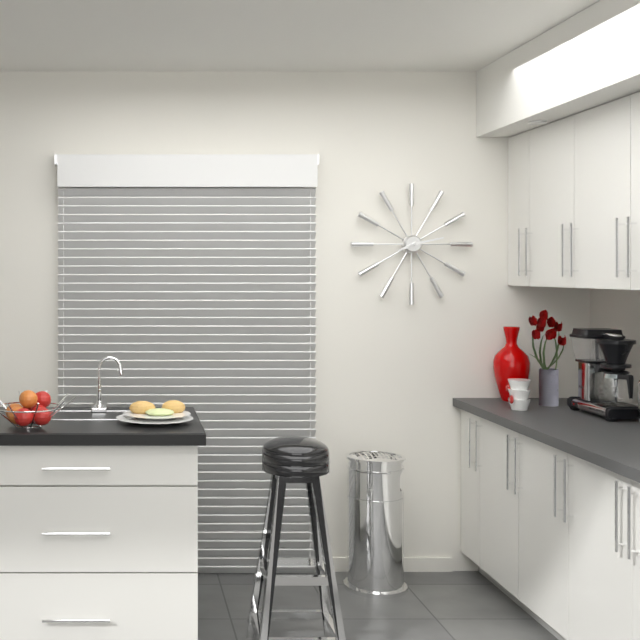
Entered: 8.13
